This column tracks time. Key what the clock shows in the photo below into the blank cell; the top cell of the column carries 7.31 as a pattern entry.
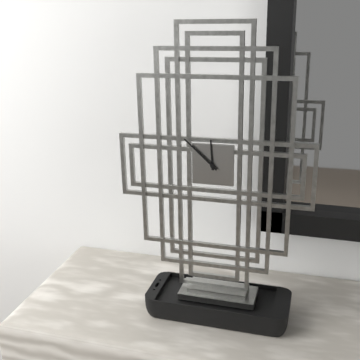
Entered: 11.52
